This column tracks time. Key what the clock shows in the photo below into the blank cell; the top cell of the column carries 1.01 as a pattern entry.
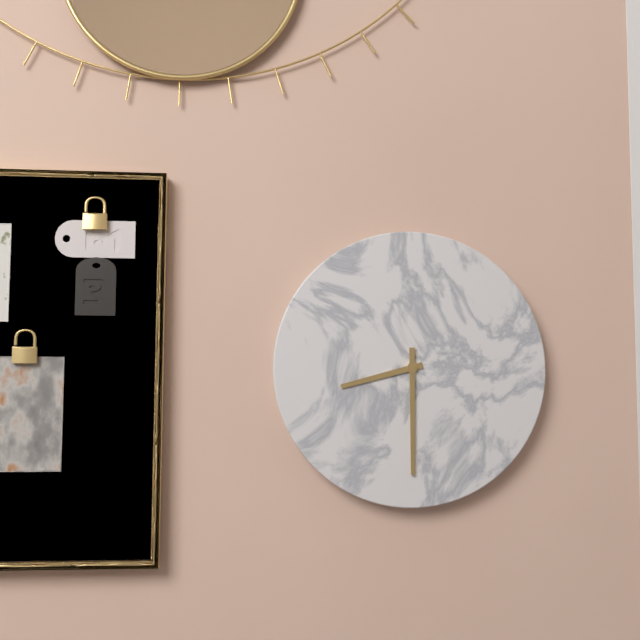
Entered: 8.30
